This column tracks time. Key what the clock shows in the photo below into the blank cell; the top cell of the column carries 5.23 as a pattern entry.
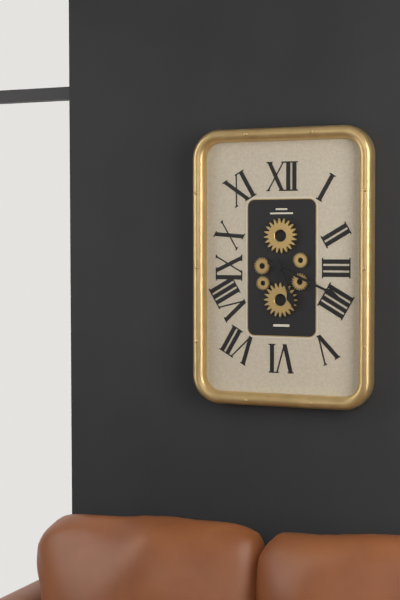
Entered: 5.19
